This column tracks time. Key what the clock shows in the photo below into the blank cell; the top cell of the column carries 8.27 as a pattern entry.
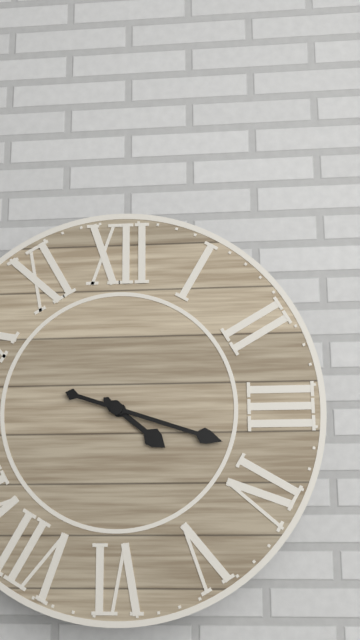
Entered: 4.18
